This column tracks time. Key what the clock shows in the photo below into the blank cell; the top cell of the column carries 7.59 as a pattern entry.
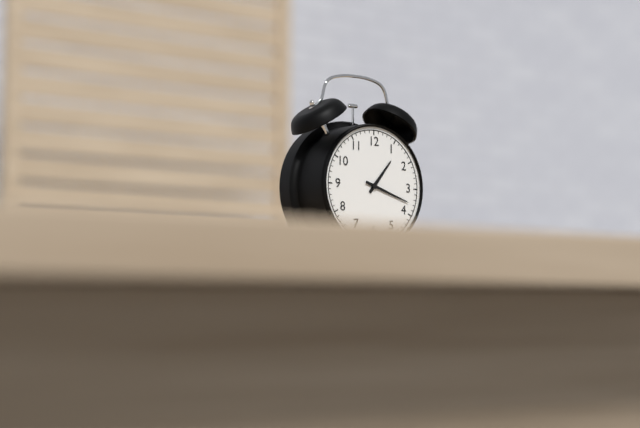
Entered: 1.18
